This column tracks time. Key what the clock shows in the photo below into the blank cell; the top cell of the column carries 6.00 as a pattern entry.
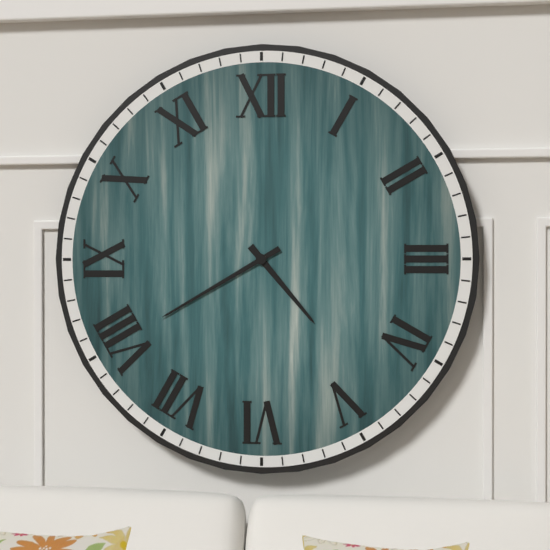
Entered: 4.40
